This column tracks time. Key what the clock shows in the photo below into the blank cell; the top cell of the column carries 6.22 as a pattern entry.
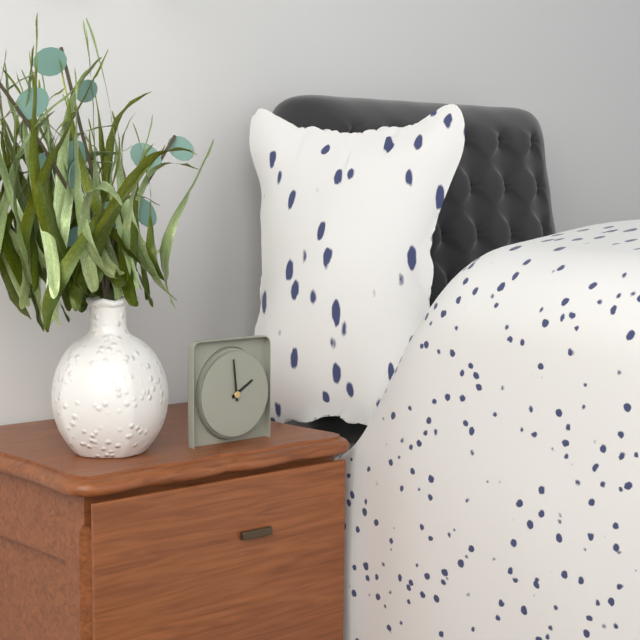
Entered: 1.59
